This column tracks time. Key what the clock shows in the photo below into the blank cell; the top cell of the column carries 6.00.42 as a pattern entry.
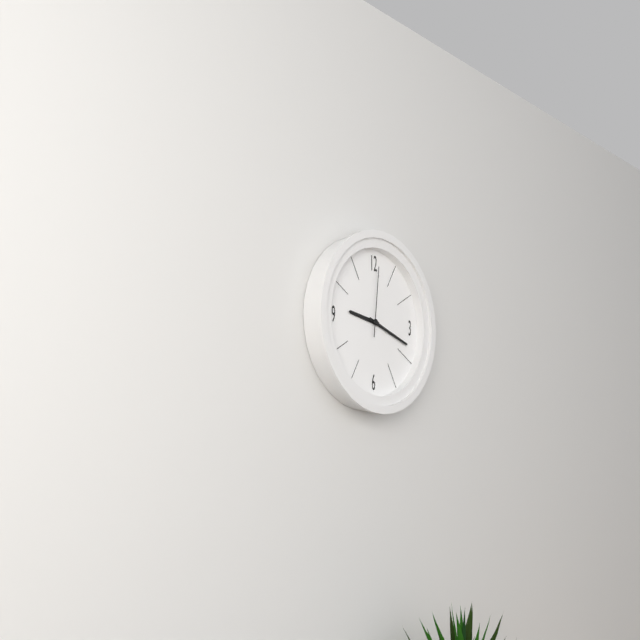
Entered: 9.18.01
